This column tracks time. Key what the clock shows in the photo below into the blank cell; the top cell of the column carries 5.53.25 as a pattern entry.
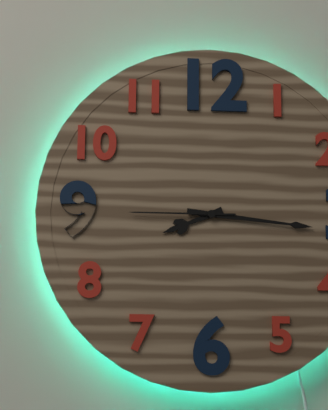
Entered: 8.16.45
